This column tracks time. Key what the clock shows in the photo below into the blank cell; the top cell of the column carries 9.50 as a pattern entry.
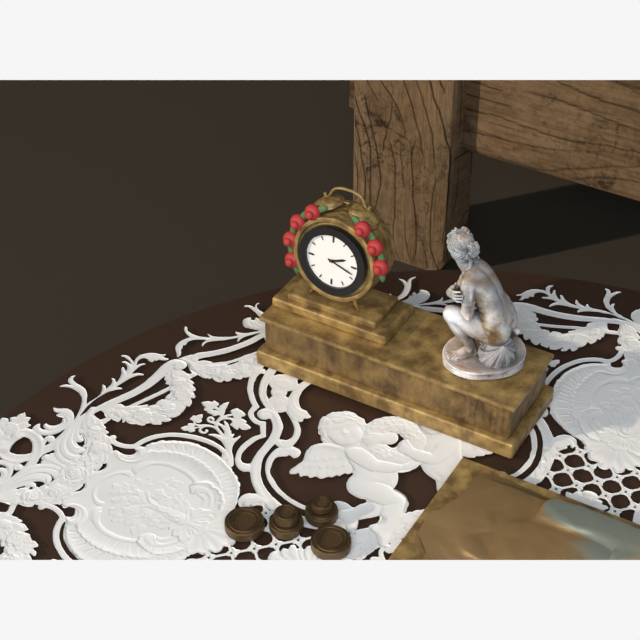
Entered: 2.18
